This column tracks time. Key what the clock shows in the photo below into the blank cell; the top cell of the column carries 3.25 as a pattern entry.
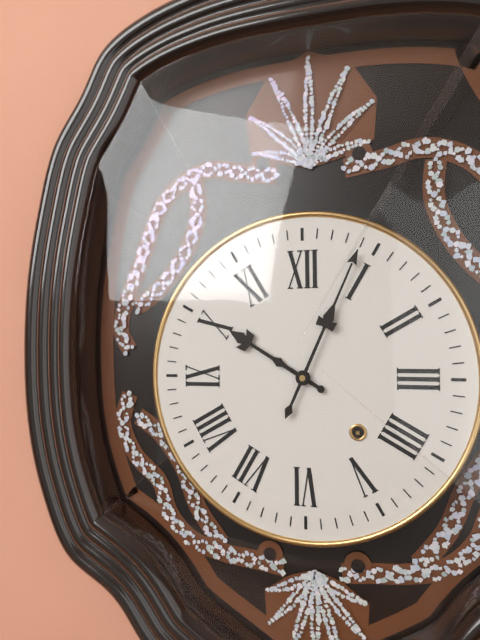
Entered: 10.04
